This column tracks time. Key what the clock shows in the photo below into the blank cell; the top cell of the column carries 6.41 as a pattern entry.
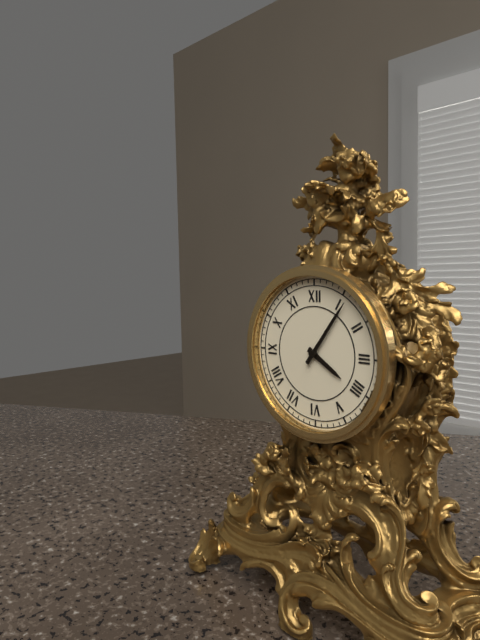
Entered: 4.06
